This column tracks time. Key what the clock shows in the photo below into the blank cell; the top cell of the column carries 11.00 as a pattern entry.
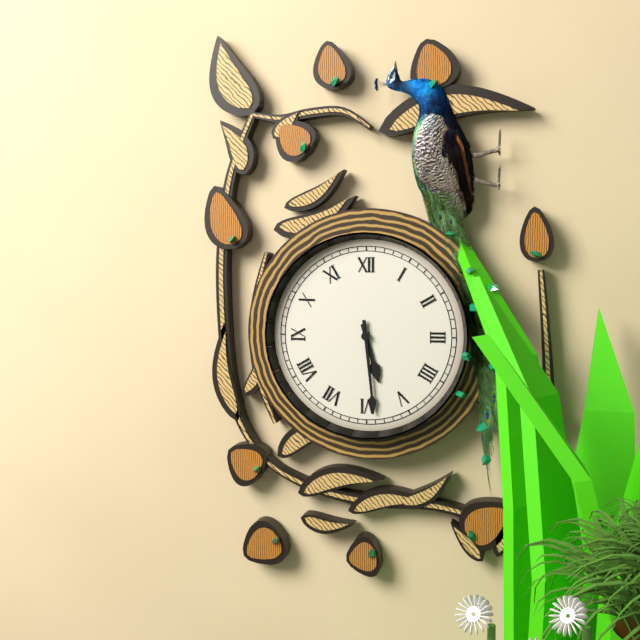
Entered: 5.29
